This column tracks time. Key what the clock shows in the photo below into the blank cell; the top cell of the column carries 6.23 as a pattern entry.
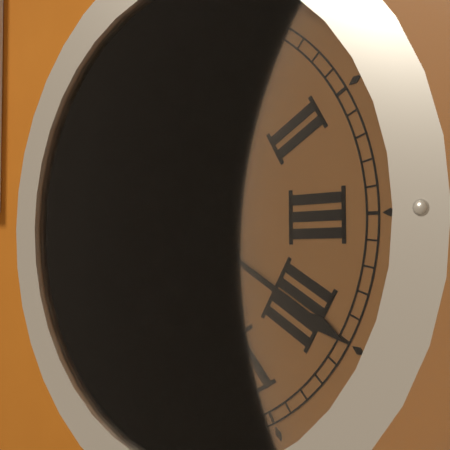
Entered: 7.20
